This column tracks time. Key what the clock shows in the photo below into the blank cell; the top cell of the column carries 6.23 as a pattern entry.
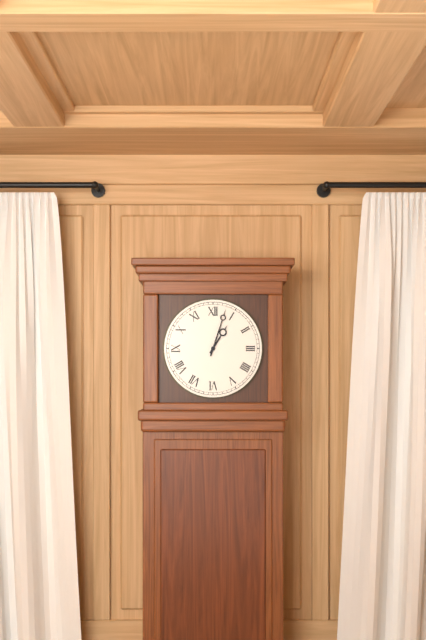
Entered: 1.03
